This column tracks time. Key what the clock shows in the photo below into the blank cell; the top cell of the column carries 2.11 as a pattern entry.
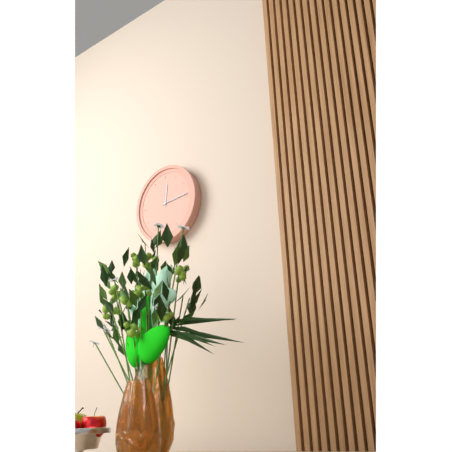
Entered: 12.14
